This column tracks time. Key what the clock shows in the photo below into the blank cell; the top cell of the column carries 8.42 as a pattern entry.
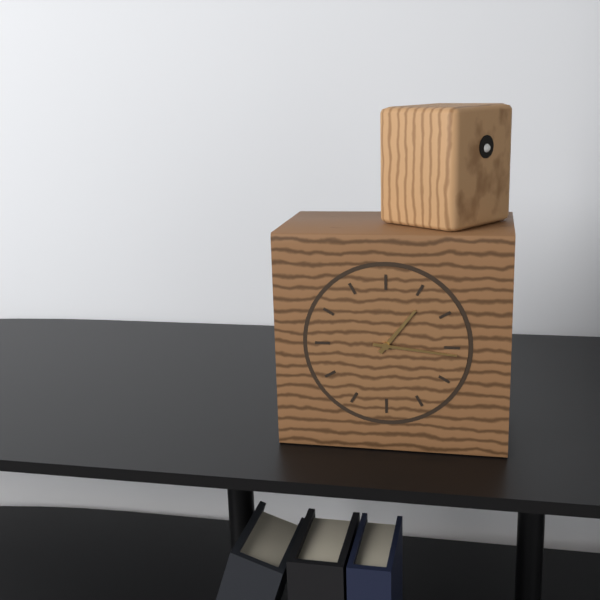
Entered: 1.16
